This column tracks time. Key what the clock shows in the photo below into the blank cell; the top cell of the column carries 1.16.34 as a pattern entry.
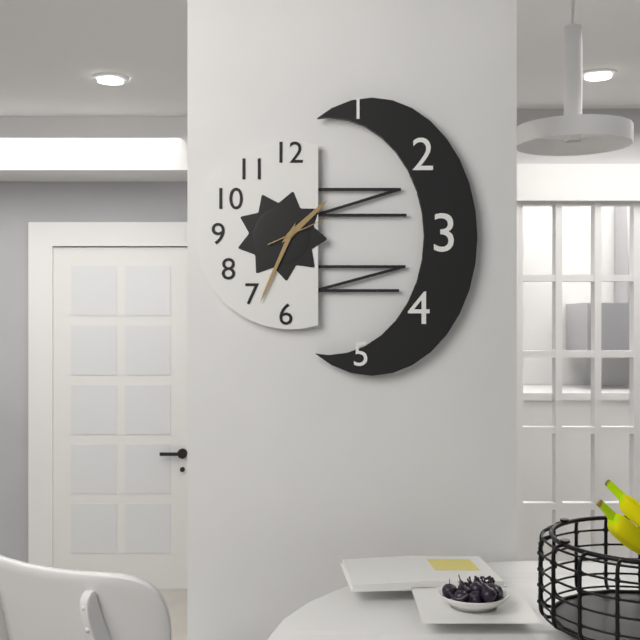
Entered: 1.34.11
